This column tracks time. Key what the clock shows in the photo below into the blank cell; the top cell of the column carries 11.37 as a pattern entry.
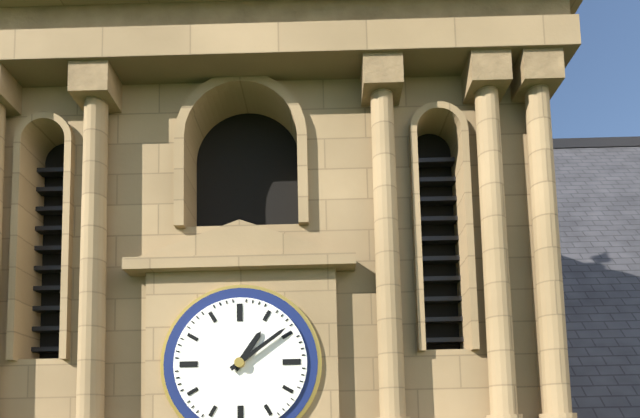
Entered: 1.09
